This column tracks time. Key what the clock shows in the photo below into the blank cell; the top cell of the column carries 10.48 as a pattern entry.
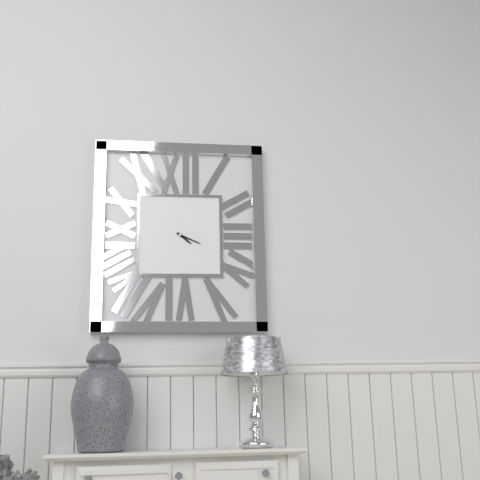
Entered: 4.19
